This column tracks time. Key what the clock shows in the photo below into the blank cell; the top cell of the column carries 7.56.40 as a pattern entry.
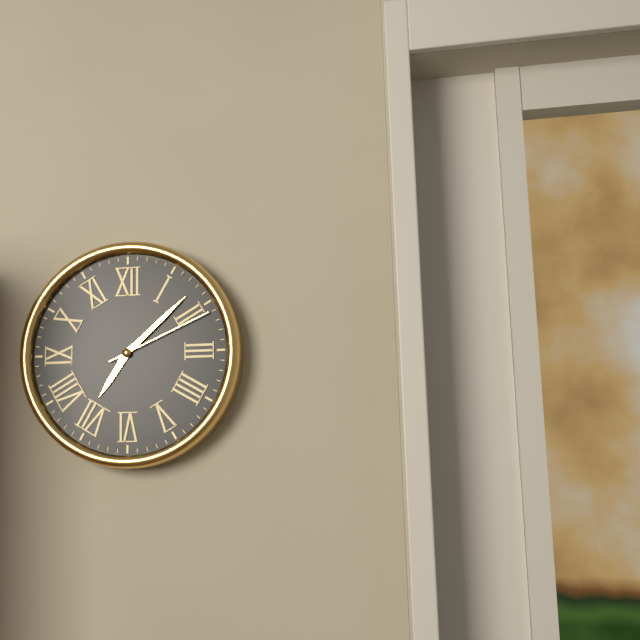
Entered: 7.08.11
